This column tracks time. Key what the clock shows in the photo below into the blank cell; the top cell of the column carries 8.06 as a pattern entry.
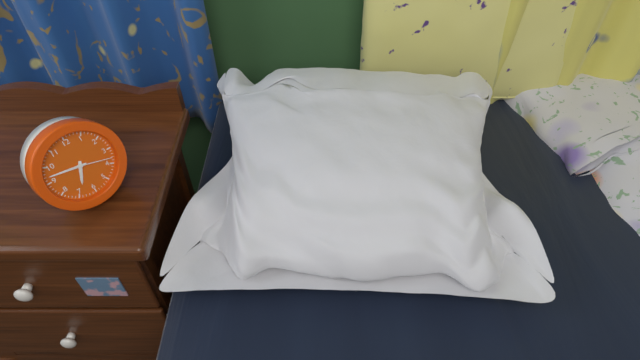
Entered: 6.47
